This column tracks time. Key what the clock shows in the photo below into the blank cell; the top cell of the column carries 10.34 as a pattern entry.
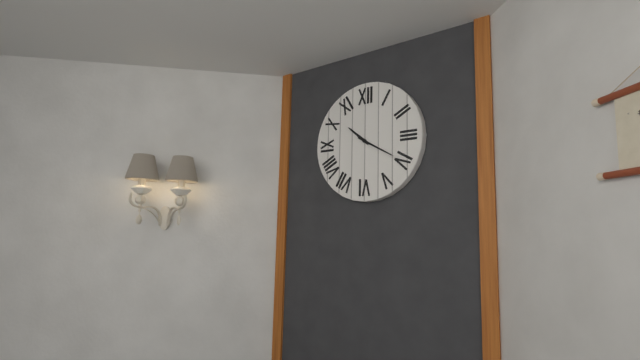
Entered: 10.20
